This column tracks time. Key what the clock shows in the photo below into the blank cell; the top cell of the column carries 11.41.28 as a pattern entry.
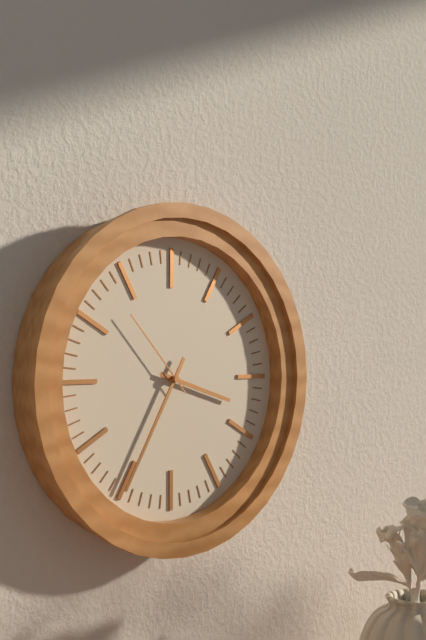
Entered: 3.35.53
